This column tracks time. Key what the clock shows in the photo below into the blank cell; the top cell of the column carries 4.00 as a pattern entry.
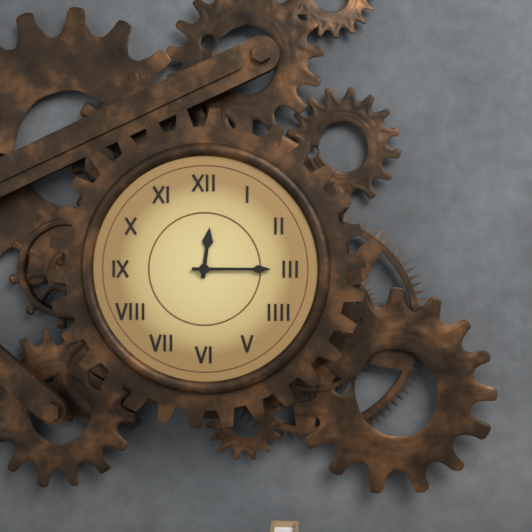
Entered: 12.15
